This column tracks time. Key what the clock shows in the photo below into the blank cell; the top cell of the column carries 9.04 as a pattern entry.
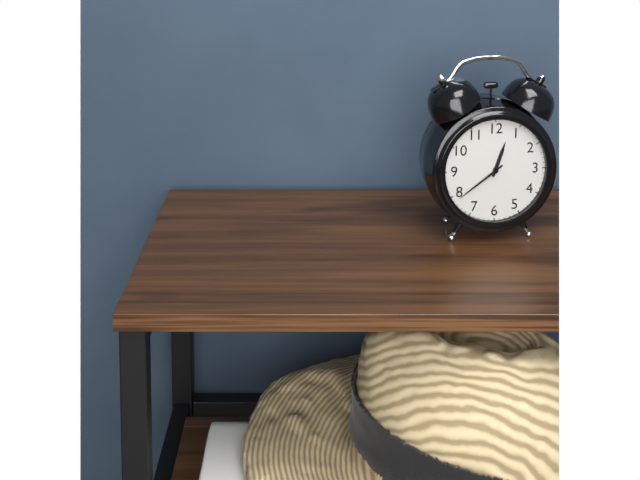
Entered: 12.39
